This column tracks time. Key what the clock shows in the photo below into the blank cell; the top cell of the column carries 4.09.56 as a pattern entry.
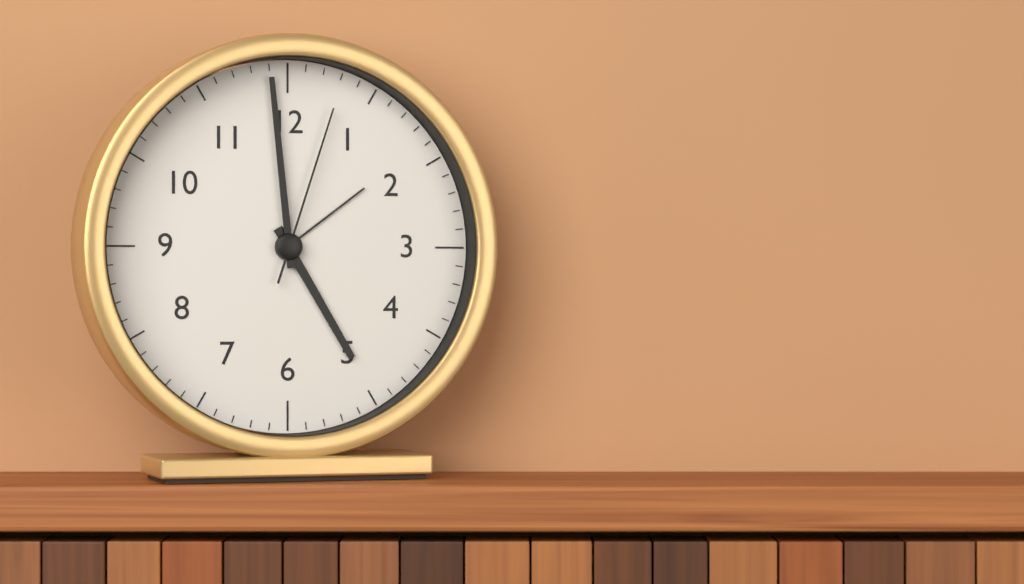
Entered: 4.59.03
